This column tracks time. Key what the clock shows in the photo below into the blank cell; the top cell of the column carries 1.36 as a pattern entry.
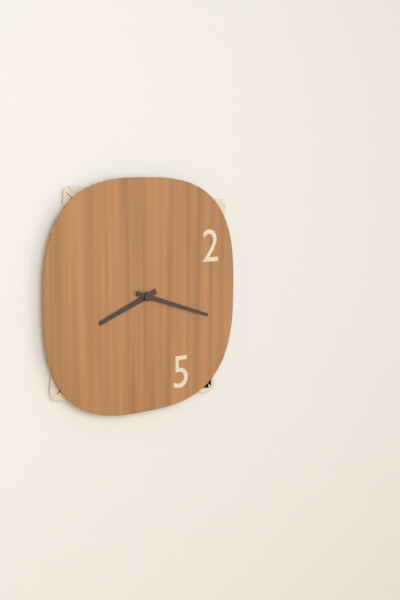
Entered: 8.18
